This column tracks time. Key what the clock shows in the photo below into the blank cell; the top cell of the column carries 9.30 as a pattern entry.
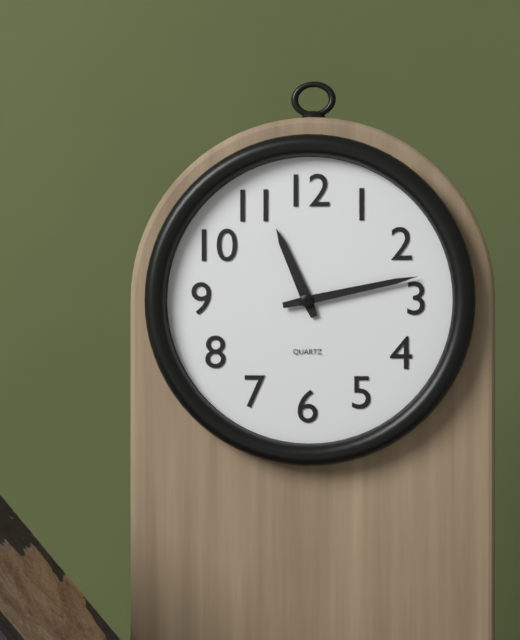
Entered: 11.13
